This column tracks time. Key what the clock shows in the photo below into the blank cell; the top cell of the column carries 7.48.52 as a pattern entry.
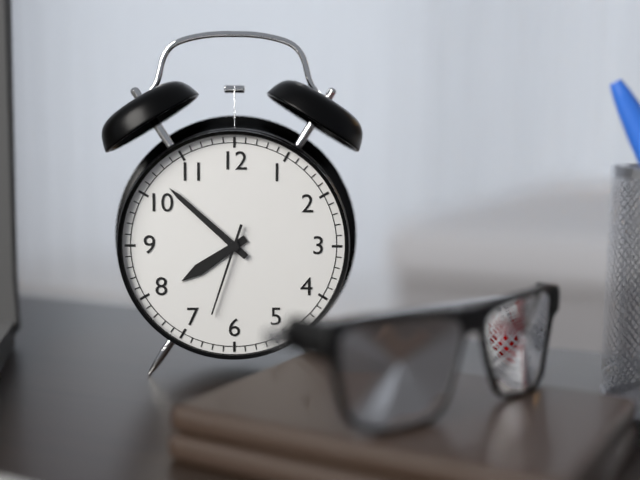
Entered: 7.52.33
